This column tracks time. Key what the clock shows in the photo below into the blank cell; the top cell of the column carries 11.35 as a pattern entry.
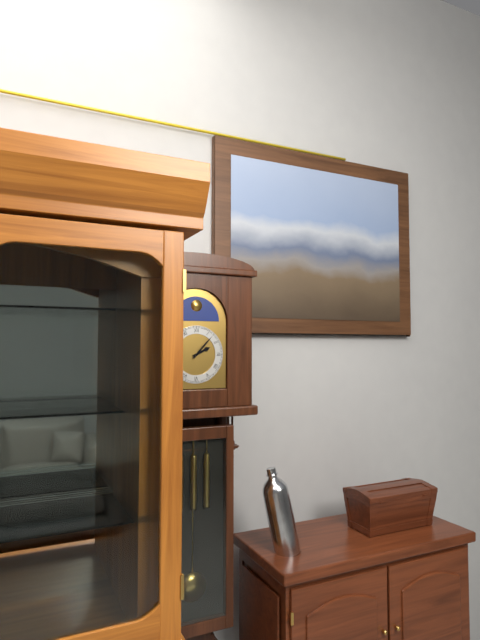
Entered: 2.07
